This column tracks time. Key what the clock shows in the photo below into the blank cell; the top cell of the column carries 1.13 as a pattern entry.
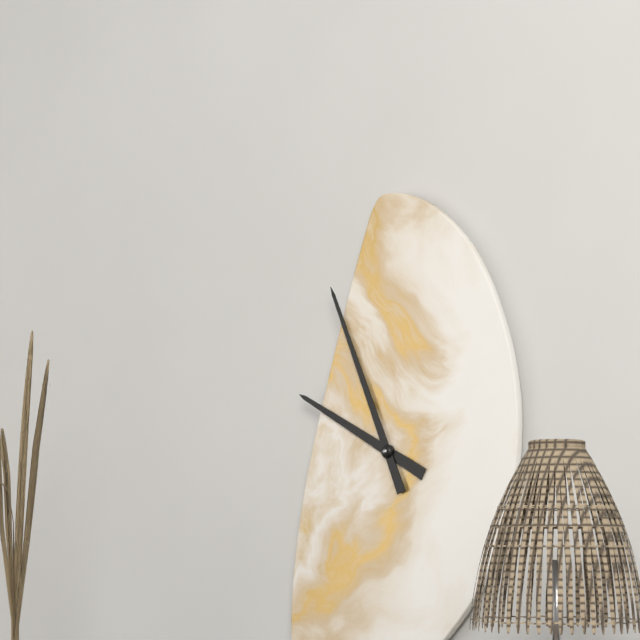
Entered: 9.56
